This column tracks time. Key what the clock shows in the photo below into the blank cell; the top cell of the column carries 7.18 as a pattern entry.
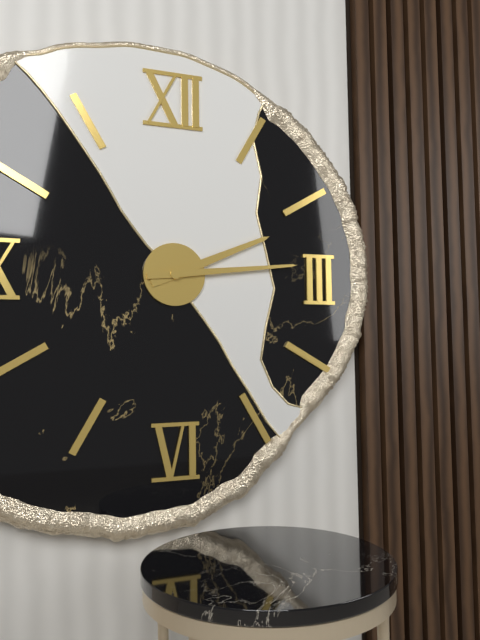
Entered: 2.14
